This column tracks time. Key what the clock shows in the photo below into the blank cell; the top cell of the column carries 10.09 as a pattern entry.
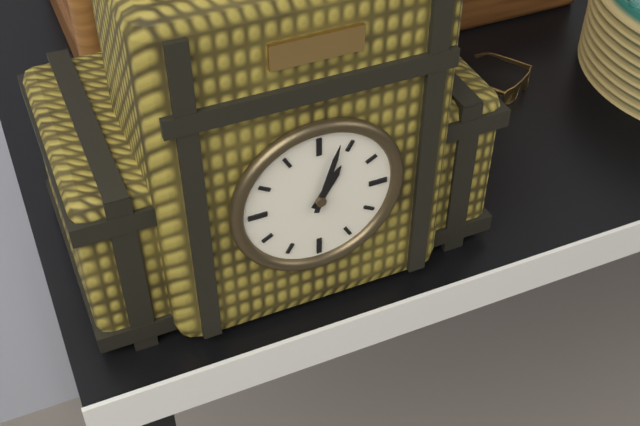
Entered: 1.03
